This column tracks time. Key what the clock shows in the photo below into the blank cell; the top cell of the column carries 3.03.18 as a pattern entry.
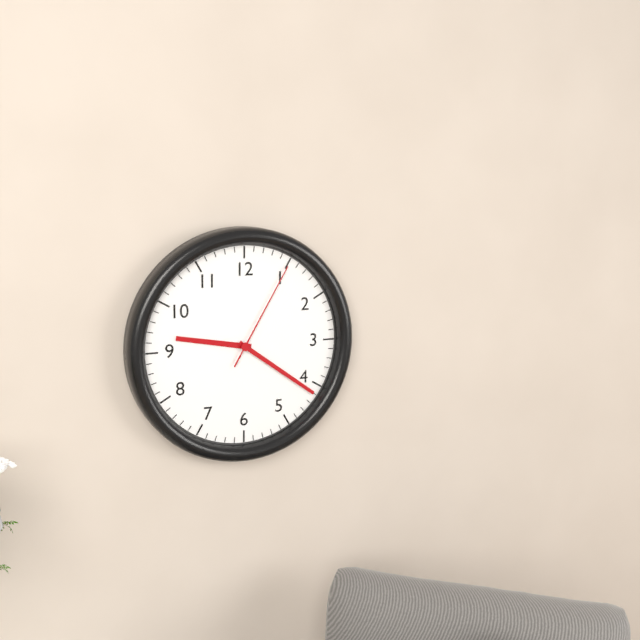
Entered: 9.21.05
